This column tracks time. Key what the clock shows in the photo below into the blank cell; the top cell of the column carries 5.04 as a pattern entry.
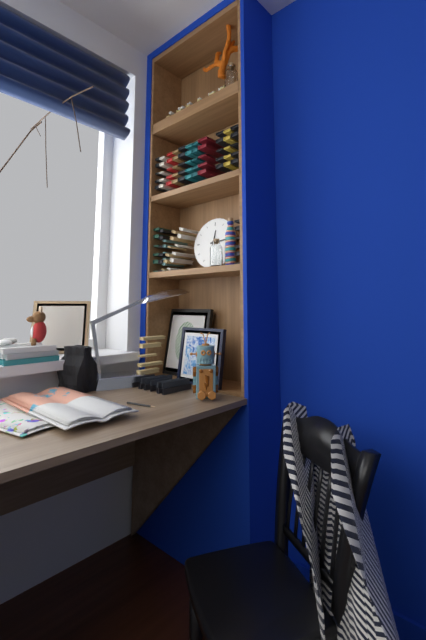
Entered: 12.14
